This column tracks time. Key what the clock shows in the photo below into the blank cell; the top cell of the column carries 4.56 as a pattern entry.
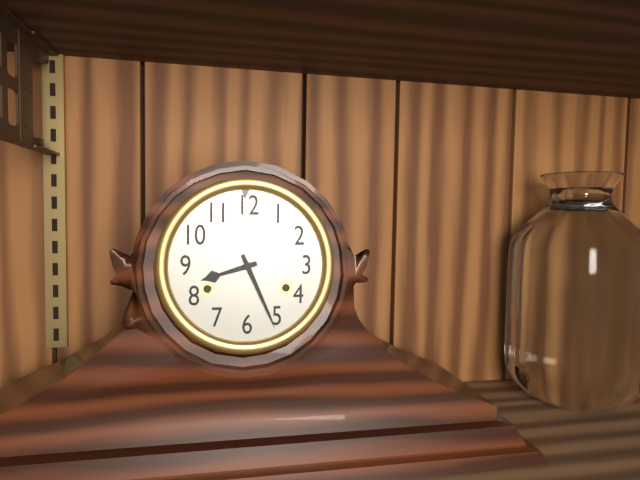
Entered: 8.26
